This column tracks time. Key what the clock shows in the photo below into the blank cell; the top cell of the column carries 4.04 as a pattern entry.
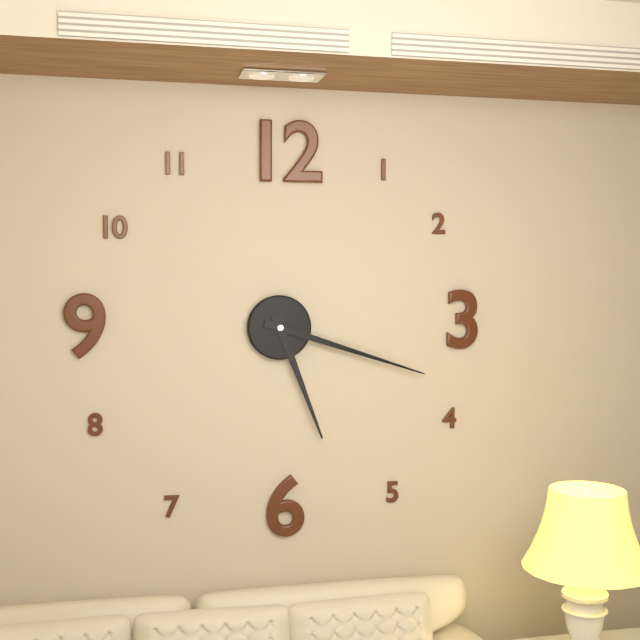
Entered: 5.18
